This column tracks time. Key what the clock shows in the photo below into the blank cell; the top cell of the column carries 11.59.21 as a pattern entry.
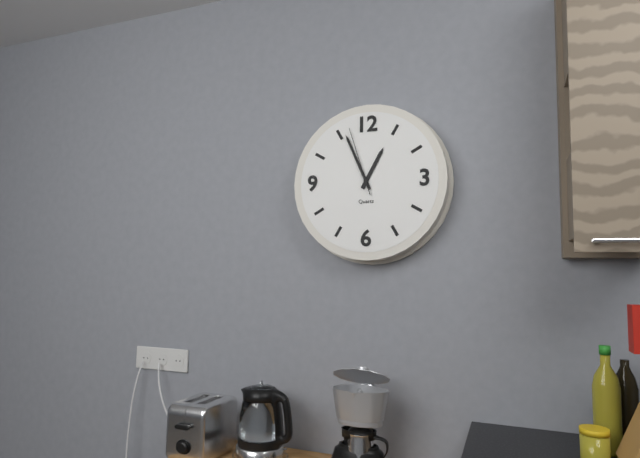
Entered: 12.56.57
